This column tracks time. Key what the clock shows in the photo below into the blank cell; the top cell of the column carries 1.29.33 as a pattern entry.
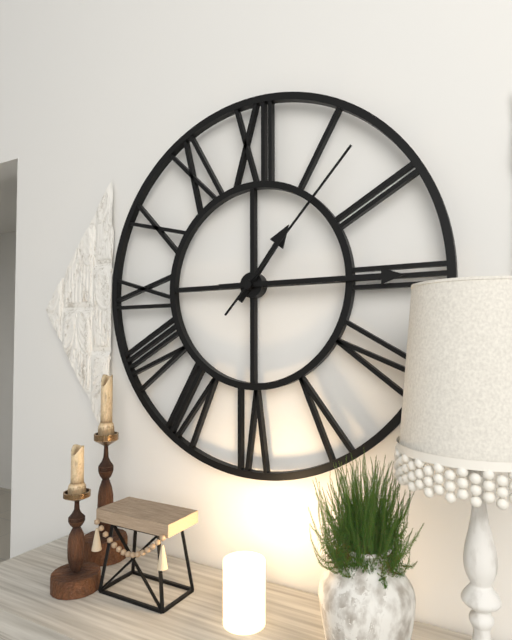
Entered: 1.15.07
